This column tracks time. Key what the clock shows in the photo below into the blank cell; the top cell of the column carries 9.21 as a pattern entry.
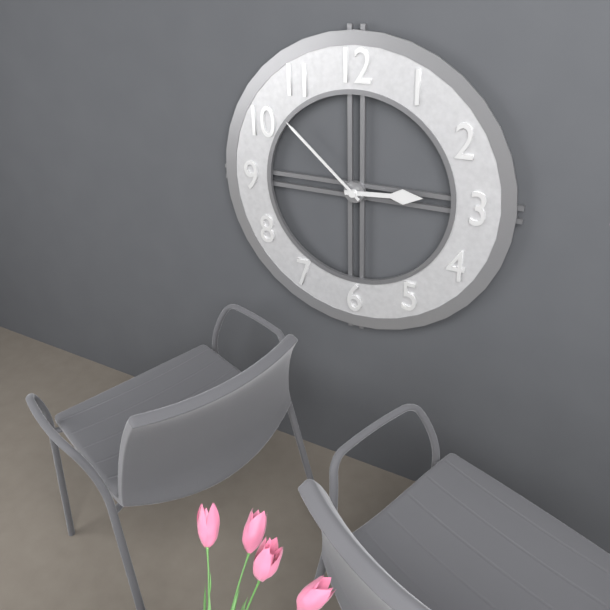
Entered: 2.52
